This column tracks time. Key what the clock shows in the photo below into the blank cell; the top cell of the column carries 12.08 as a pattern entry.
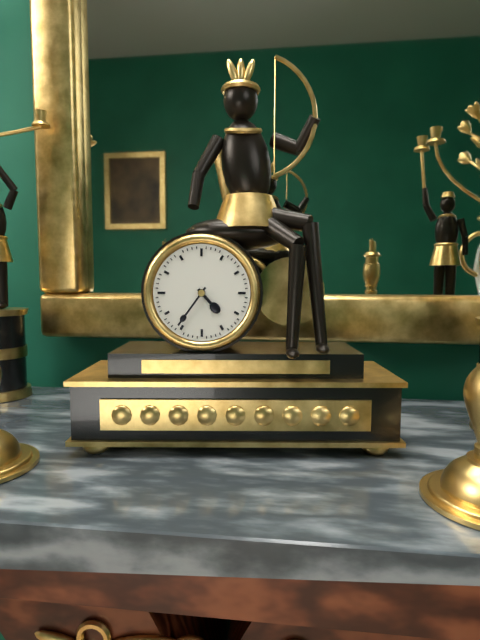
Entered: 4.36
